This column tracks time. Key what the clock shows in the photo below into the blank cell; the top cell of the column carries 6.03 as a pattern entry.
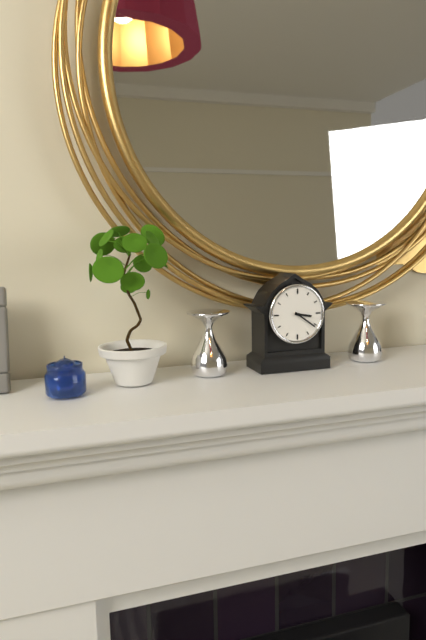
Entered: 3.21
